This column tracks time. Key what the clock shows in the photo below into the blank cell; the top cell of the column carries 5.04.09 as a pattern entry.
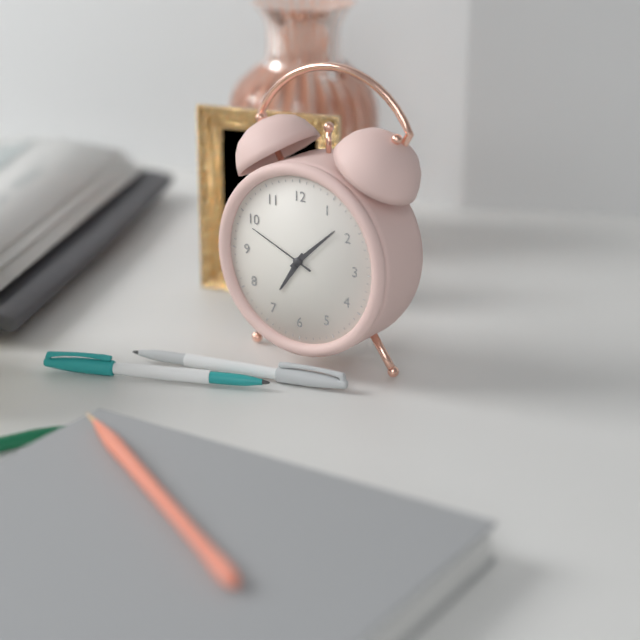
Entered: 7.08.49
